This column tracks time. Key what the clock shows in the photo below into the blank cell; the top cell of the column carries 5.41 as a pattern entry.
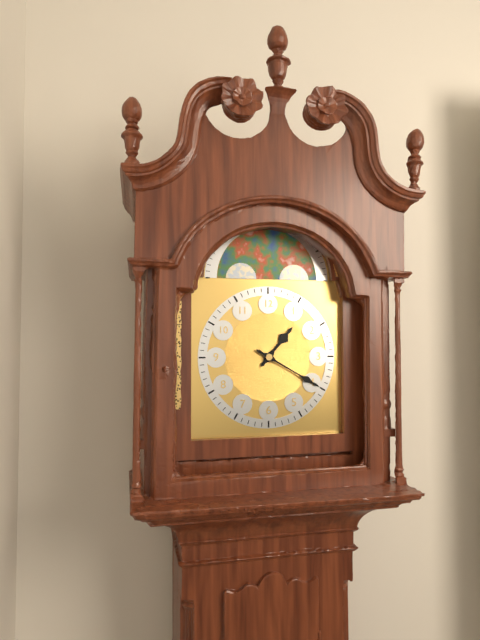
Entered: 1.20
